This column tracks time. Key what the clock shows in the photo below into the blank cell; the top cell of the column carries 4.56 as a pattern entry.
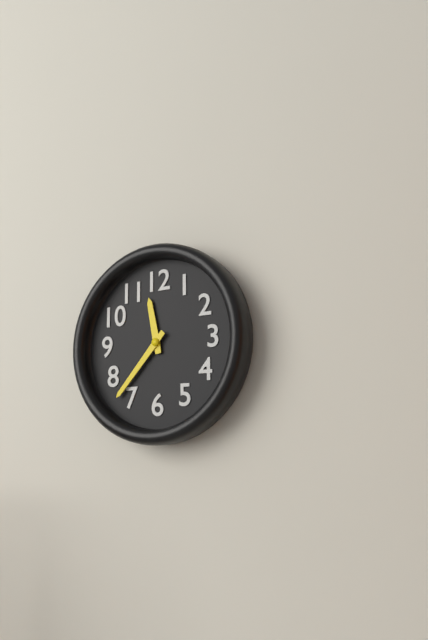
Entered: 11.37
